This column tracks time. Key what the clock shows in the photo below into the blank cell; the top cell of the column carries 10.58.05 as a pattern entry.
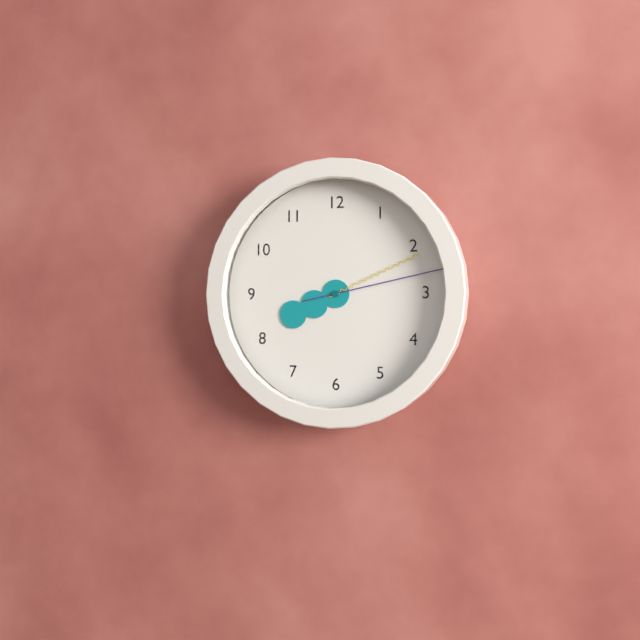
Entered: 8.11.13
